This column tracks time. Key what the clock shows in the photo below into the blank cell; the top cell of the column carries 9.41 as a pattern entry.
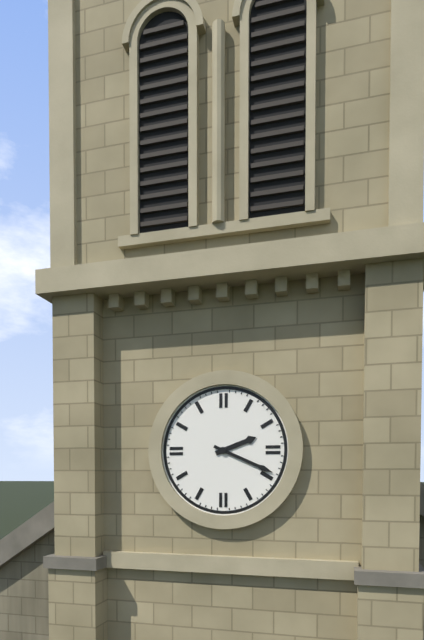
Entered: 2.19
